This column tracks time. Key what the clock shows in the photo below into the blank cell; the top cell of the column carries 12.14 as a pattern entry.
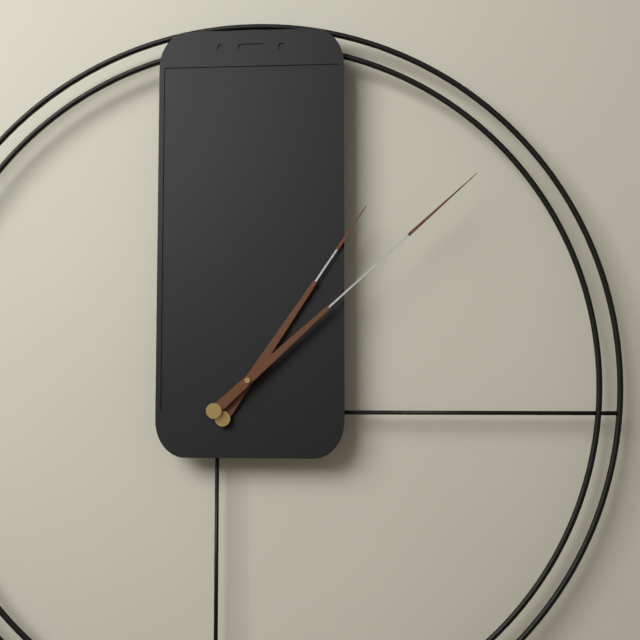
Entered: 1.08
